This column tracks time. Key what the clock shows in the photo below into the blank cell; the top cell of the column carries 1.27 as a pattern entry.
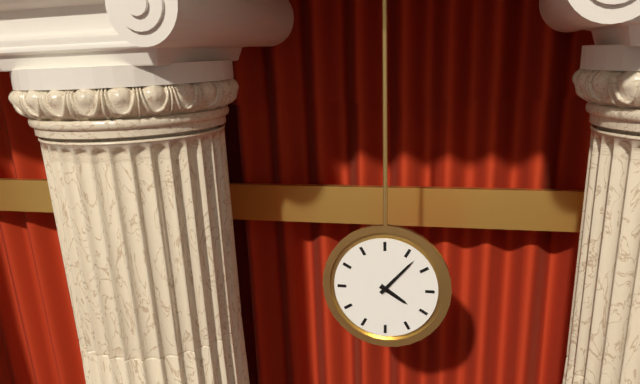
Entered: 4.07
